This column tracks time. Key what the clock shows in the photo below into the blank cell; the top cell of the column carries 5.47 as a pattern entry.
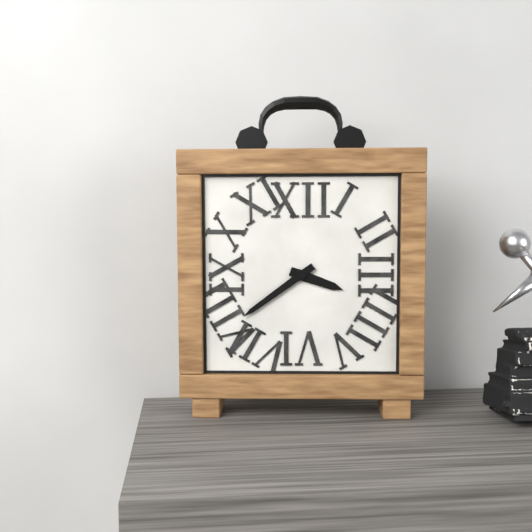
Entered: 3.39
